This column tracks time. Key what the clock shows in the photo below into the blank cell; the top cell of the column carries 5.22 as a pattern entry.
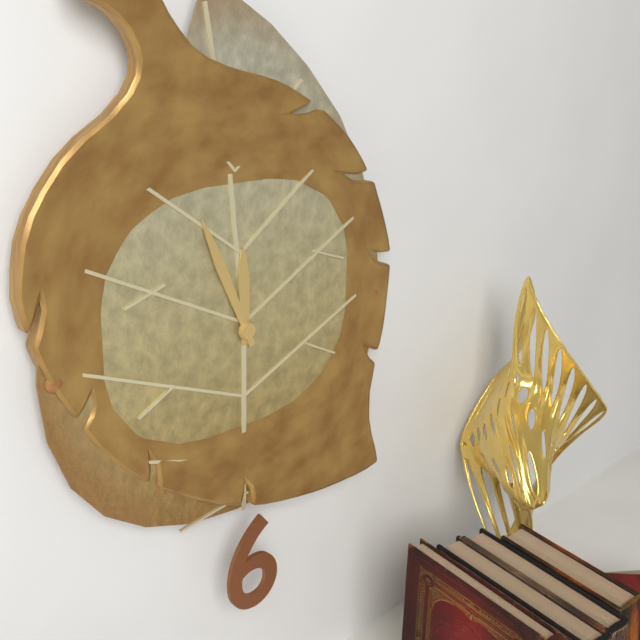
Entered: 11.56
